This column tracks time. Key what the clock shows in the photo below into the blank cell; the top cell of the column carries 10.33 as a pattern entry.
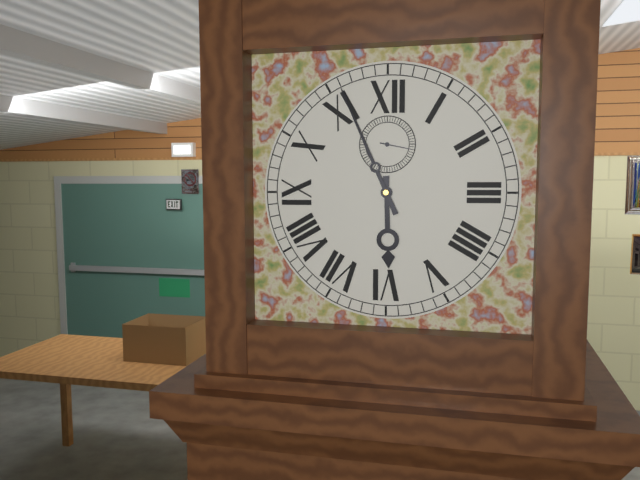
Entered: 5.56
